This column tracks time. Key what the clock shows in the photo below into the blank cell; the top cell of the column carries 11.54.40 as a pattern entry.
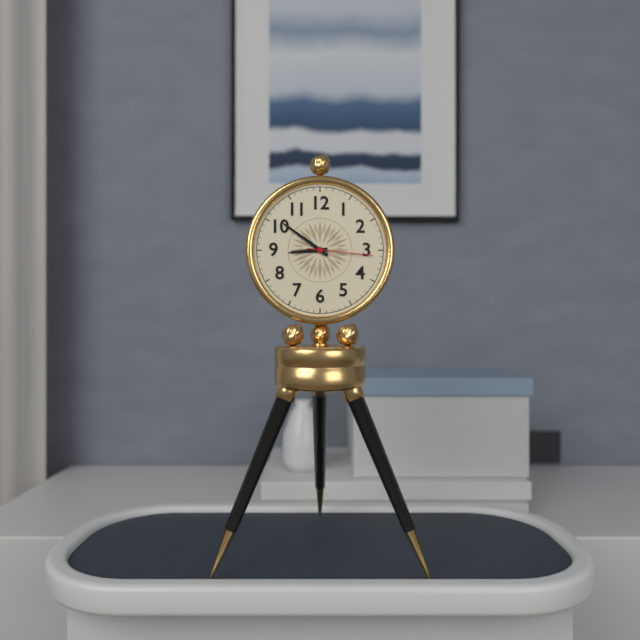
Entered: 8.51.16
